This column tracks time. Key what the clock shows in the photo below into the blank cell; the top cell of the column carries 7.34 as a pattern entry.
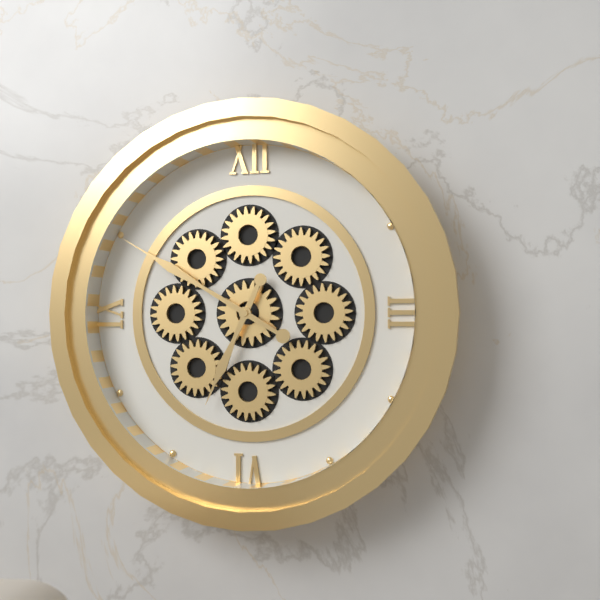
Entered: 6.50
